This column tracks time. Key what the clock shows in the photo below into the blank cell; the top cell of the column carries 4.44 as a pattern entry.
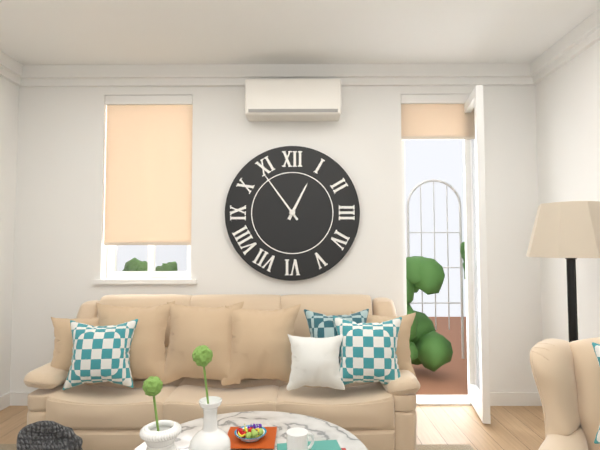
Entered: 12.54
